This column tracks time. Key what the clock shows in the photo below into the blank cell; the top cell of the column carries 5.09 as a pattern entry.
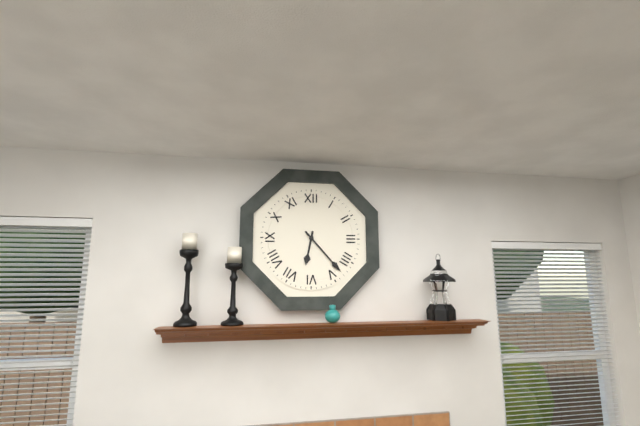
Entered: 6.23
